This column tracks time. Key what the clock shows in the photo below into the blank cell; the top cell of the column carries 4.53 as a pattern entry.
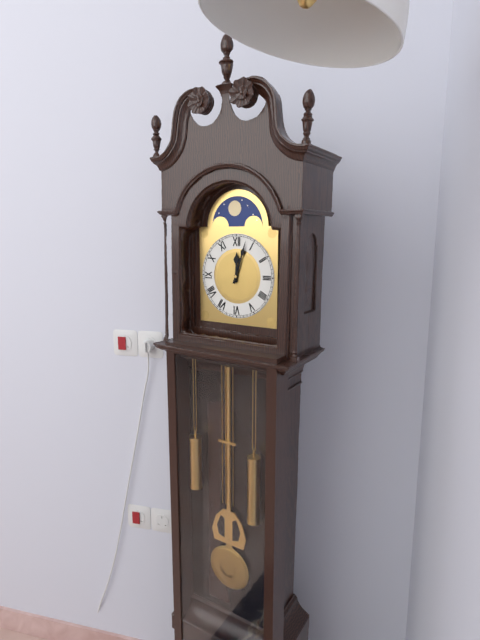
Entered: 12.03
